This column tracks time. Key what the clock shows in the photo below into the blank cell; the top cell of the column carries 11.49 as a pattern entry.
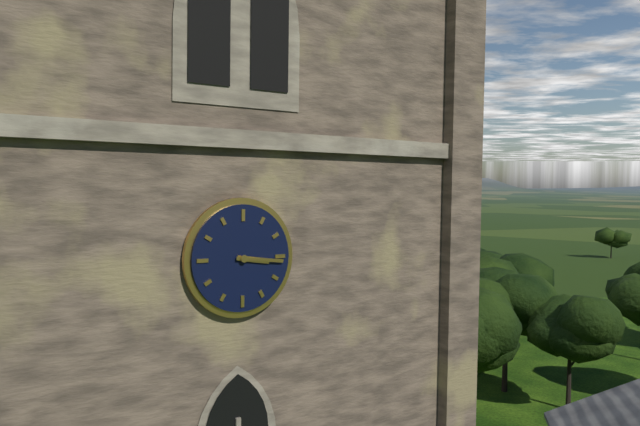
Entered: 3.16
